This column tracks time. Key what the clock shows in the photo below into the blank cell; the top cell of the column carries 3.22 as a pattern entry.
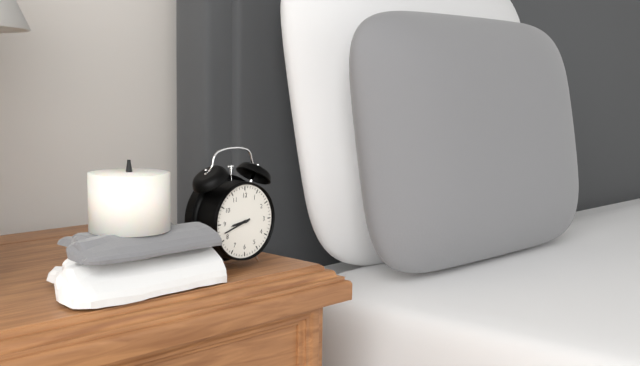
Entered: 8.42
